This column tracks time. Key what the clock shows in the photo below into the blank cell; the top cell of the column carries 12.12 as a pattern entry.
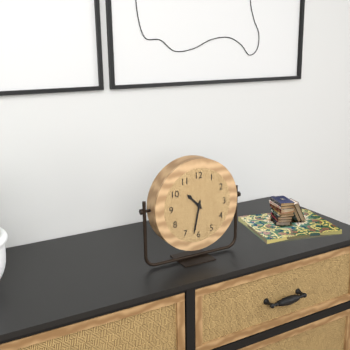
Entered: 10.32
